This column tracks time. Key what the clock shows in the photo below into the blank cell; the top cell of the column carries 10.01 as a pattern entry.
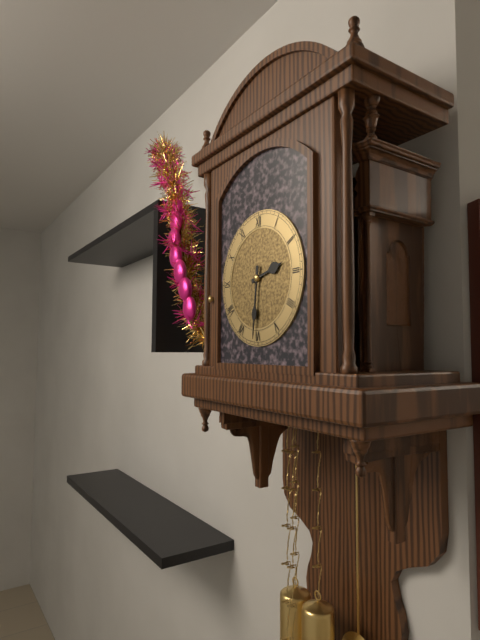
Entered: 2.31
